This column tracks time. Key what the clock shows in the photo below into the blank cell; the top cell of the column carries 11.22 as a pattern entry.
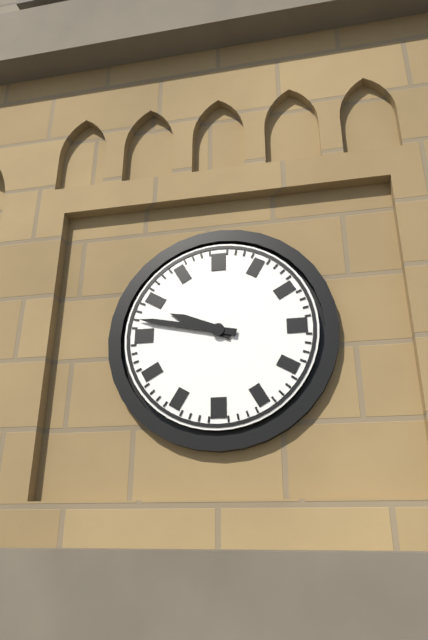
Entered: 9.47
